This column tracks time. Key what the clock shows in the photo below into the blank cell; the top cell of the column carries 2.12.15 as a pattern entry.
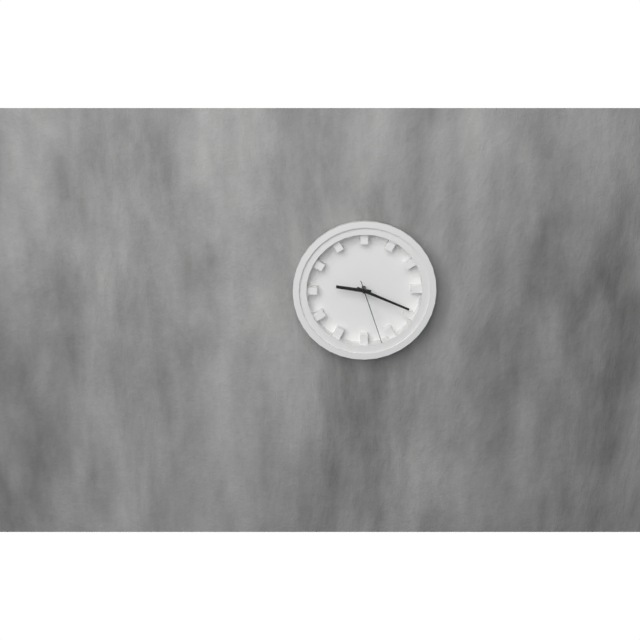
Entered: 9.19.27
